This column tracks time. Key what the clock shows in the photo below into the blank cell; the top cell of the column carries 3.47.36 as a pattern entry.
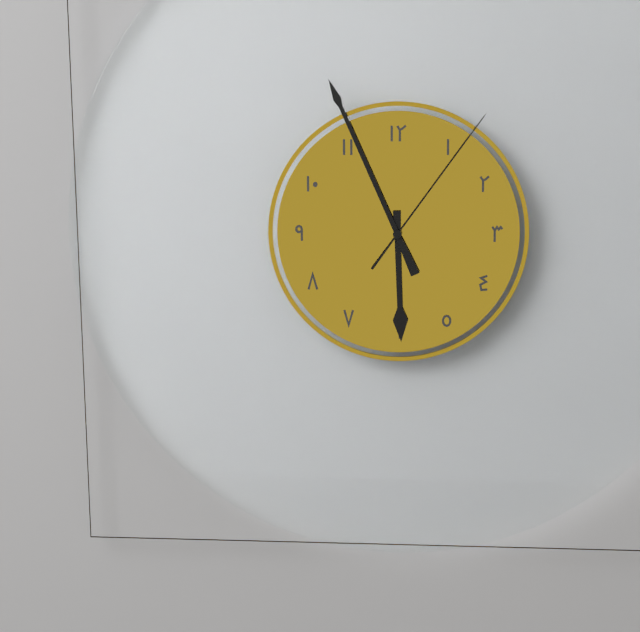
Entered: 5.56.06
